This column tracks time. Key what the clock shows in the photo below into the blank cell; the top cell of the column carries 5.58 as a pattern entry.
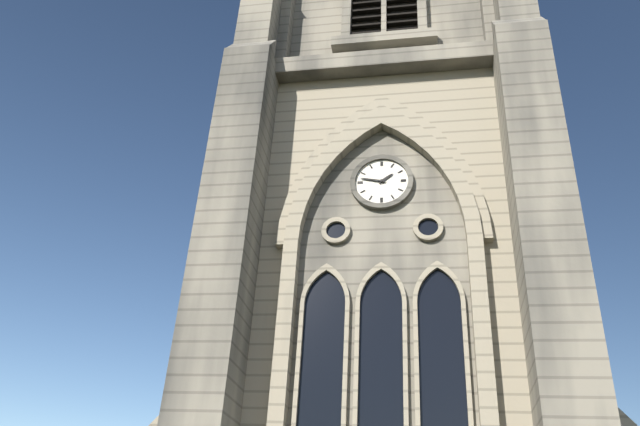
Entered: 1.47
